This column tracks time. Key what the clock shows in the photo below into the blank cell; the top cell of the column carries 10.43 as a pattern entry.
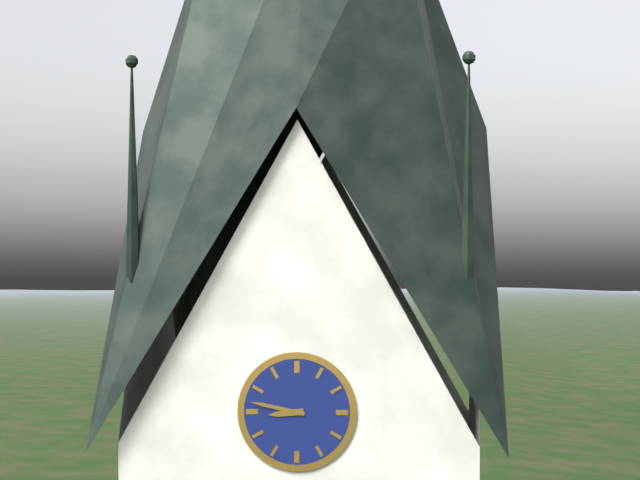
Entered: 8.47
